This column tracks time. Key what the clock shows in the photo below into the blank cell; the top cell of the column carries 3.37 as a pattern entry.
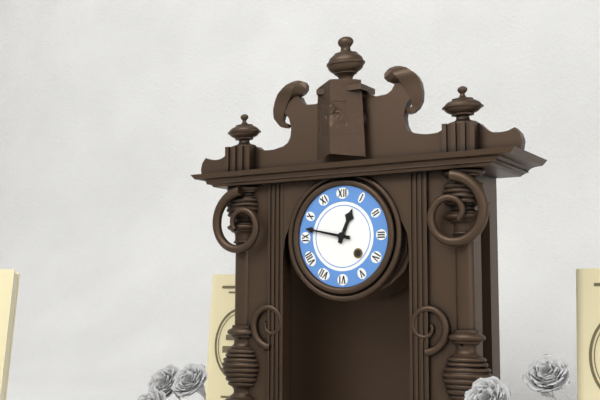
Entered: 12.47
